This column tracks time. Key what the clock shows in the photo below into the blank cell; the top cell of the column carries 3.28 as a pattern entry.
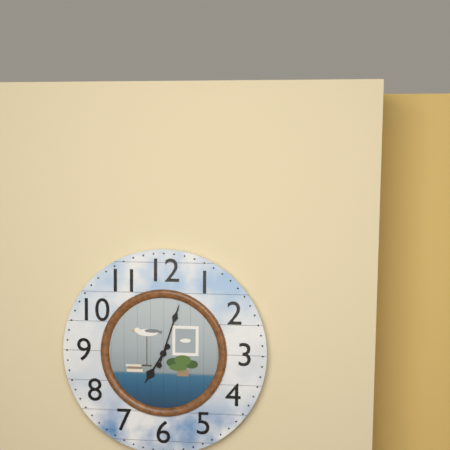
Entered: 7.03
